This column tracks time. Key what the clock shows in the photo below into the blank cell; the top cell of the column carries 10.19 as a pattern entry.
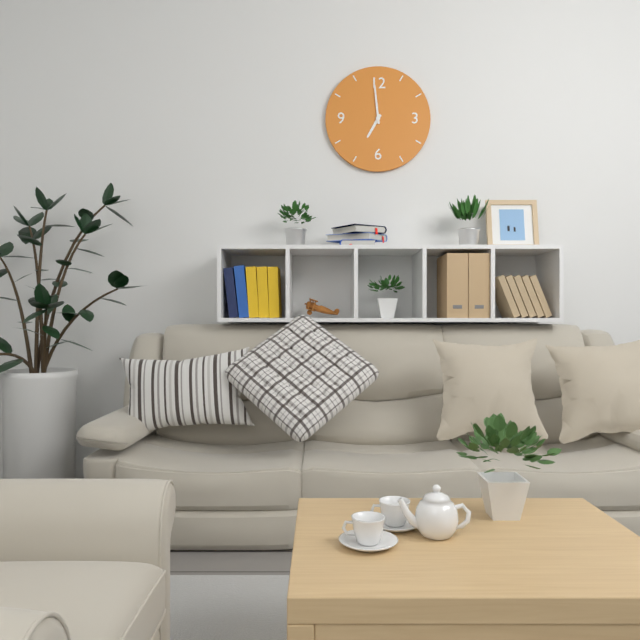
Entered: 6.59
